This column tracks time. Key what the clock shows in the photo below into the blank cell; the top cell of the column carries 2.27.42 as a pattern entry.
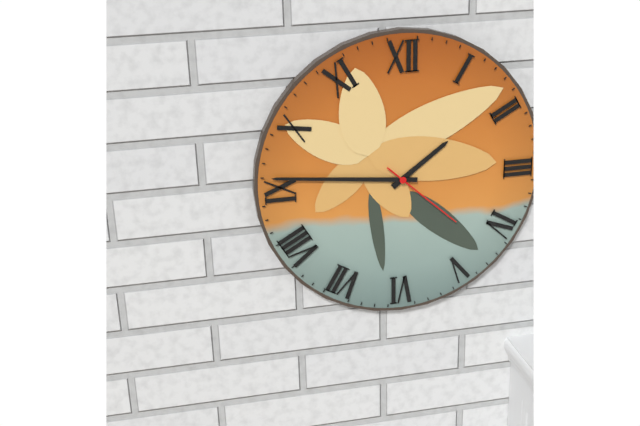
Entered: 1.46.22
